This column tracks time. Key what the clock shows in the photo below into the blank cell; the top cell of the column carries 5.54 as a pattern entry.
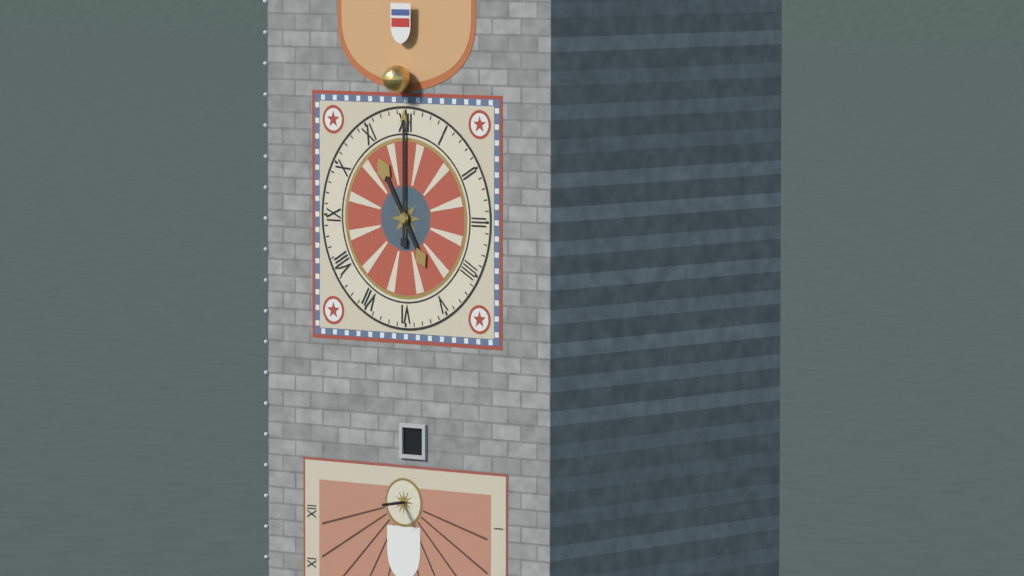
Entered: 11.00
